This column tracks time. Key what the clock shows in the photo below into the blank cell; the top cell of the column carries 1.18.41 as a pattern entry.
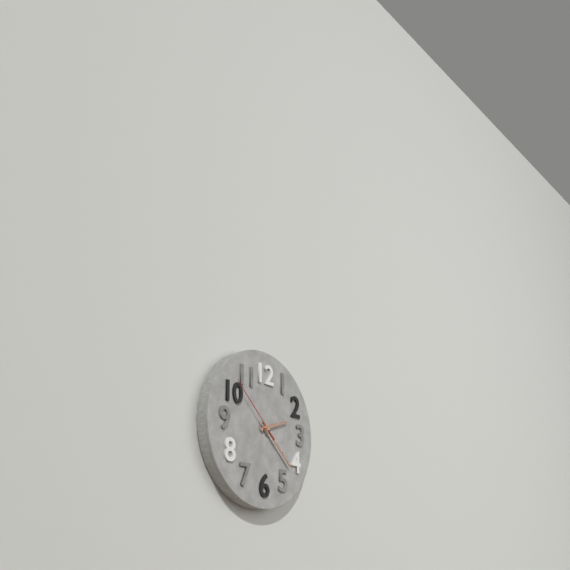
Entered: 2.22.52
